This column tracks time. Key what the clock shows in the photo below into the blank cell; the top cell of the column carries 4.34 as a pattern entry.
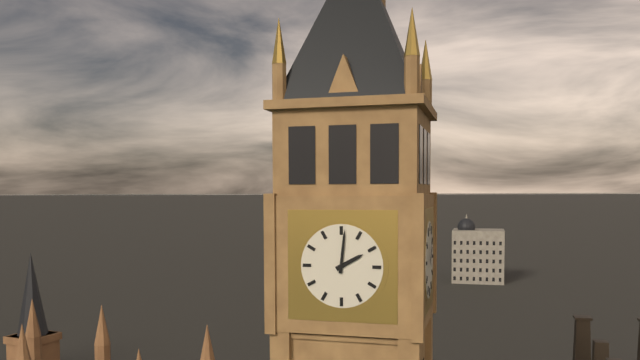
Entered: 2.01
